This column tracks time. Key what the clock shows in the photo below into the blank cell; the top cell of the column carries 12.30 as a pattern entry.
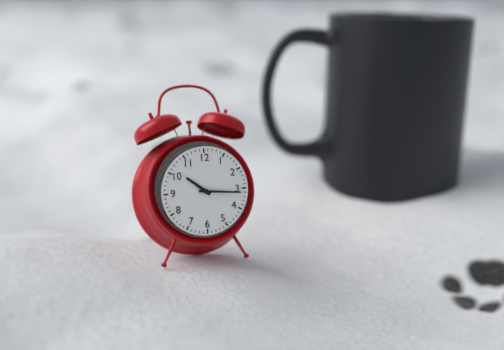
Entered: 10.16
